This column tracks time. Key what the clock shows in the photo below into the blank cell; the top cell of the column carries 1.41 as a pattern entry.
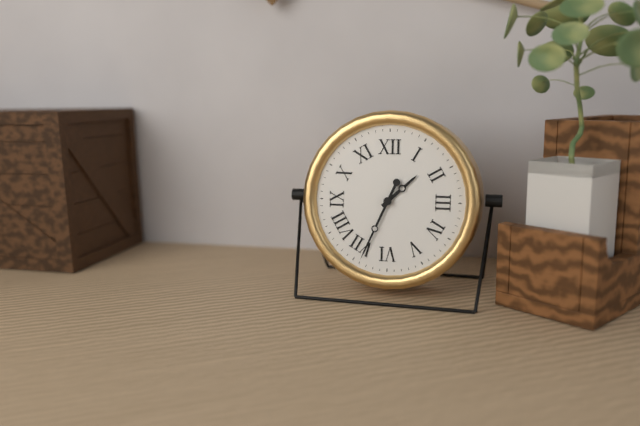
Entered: 1.34
